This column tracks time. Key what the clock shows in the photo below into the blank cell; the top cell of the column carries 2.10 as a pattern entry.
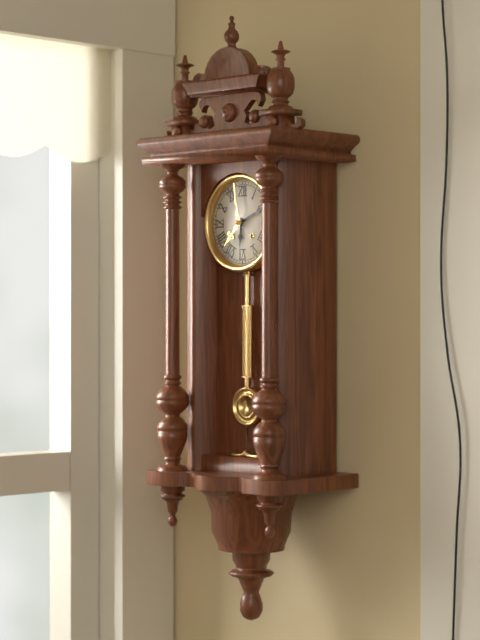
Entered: 6.11
